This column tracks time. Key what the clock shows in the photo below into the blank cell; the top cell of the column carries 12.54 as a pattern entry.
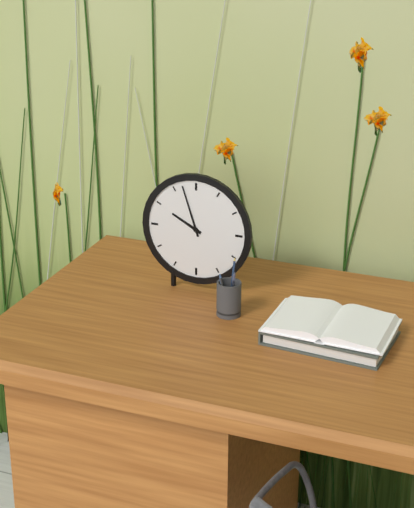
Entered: 9.57
